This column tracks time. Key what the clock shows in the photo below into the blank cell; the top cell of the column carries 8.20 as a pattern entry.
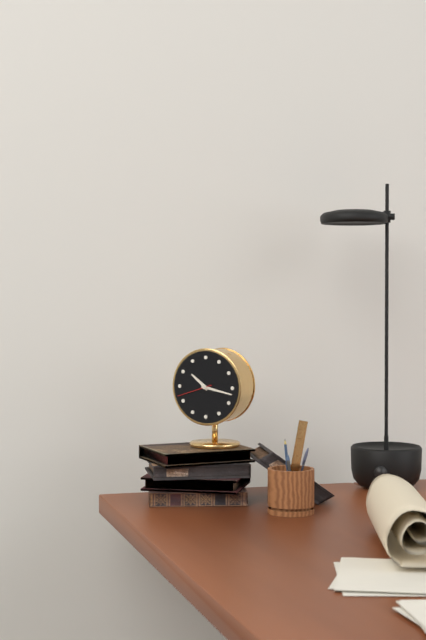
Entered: 10.17
